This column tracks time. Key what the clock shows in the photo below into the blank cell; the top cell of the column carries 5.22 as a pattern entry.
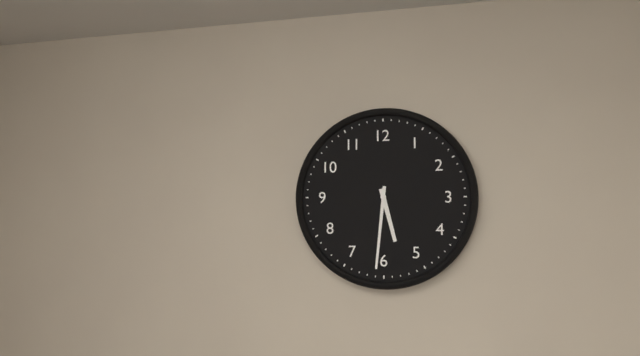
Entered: 5.31
